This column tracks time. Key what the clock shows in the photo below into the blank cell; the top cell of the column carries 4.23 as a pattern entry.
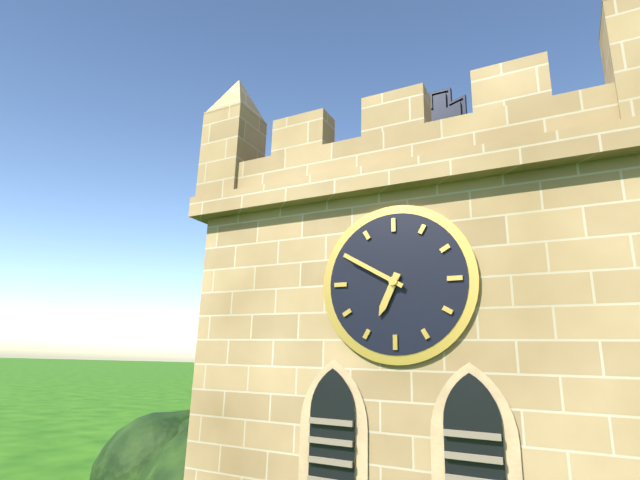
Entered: 6.50
